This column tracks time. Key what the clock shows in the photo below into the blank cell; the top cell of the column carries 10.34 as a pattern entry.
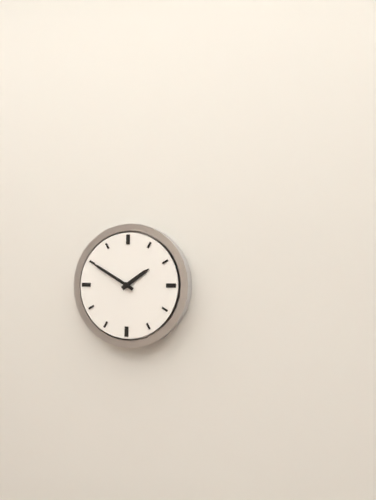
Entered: 1.50
